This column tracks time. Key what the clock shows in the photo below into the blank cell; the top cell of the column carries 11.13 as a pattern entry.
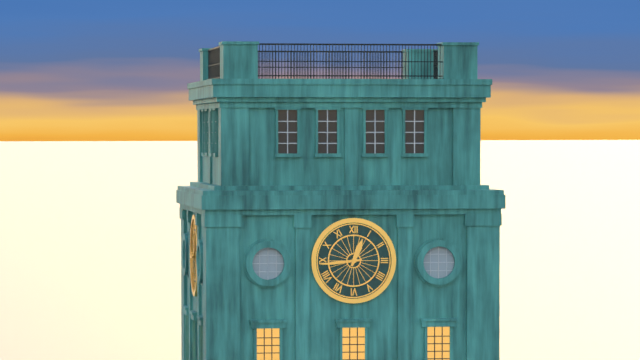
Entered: 12.44
